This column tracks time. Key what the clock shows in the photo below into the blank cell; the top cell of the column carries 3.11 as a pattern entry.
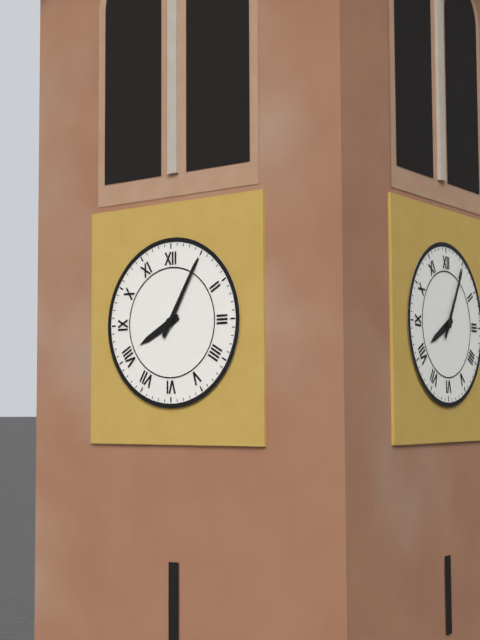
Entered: 8.05
